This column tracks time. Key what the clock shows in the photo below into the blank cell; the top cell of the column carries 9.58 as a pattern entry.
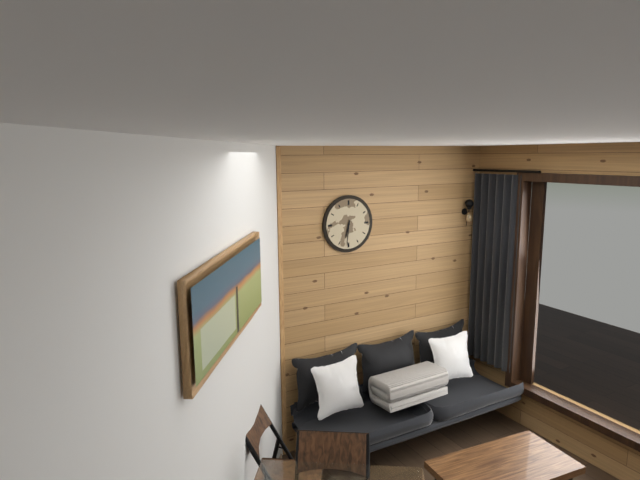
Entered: 6.31
